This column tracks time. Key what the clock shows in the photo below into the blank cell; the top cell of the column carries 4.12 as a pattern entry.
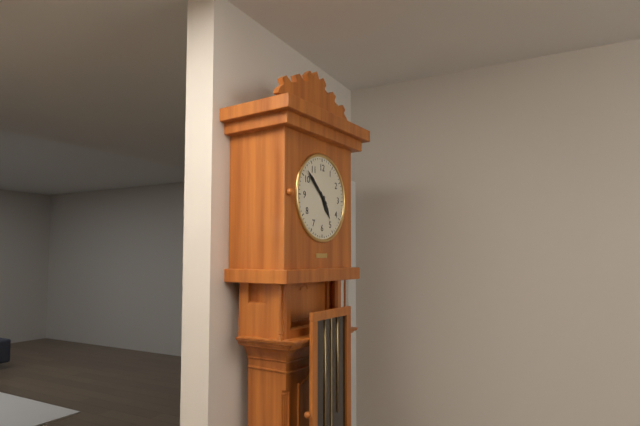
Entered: 4.52
